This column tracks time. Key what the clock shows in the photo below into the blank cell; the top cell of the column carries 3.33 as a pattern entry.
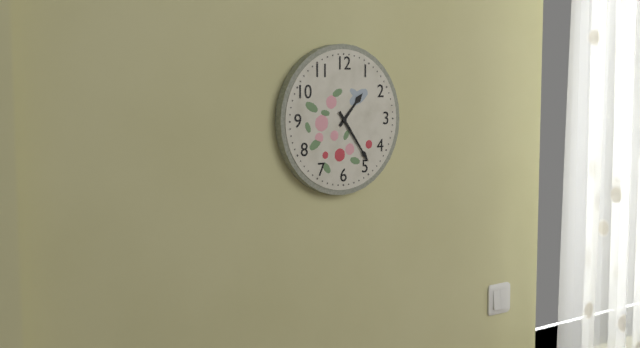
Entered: 1.24
